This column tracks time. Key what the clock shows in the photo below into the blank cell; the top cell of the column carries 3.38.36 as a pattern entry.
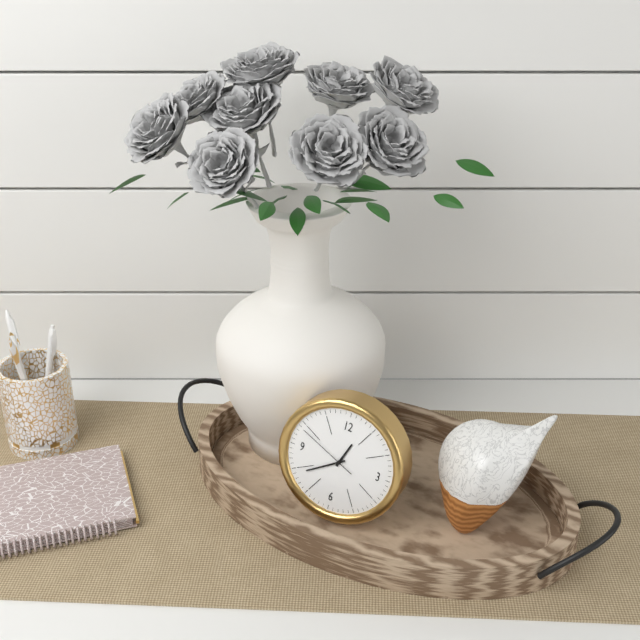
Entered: 12.39.49
